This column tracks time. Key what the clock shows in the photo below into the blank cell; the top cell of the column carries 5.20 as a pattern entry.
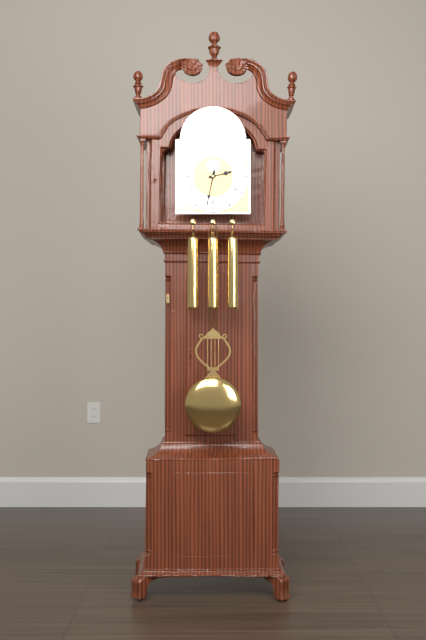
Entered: 2.32
